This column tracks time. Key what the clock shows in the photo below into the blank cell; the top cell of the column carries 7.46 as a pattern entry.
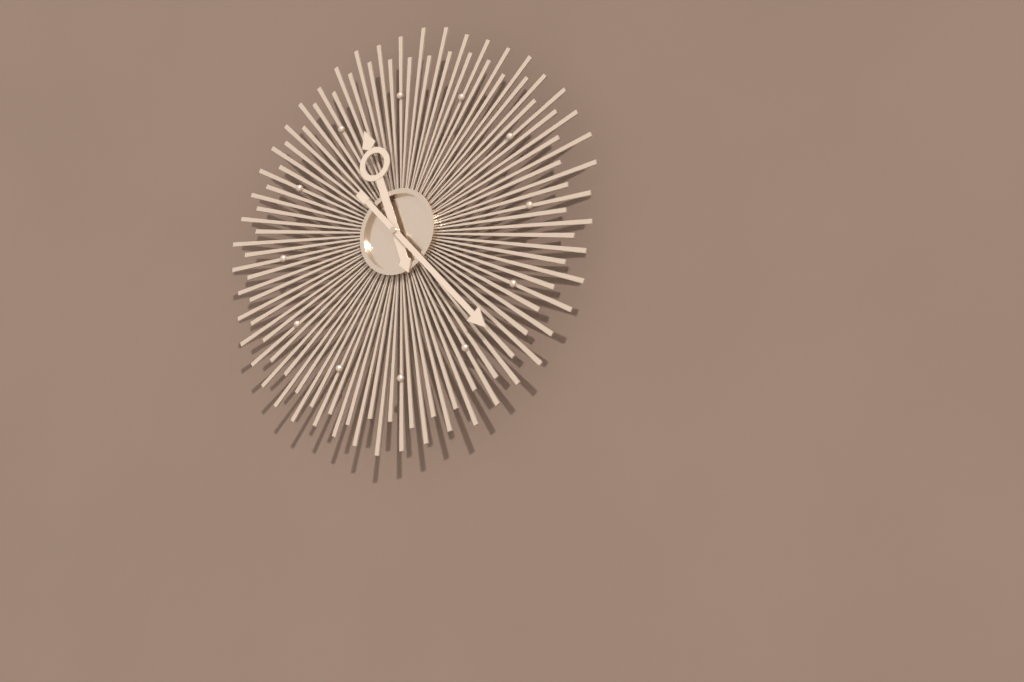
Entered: 11.23
